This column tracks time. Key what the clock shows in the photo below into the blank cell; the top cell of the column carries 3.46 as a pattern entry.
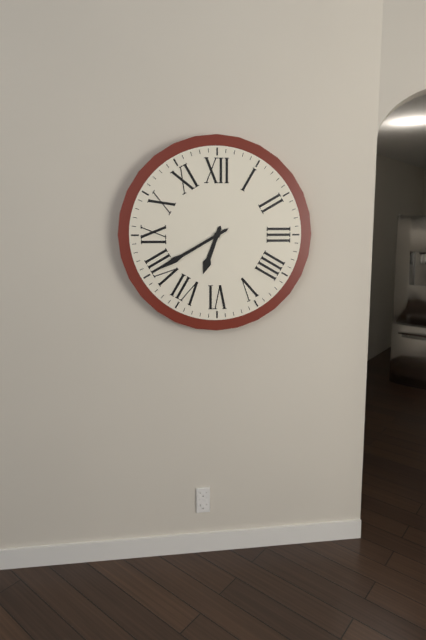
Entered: 6.40
